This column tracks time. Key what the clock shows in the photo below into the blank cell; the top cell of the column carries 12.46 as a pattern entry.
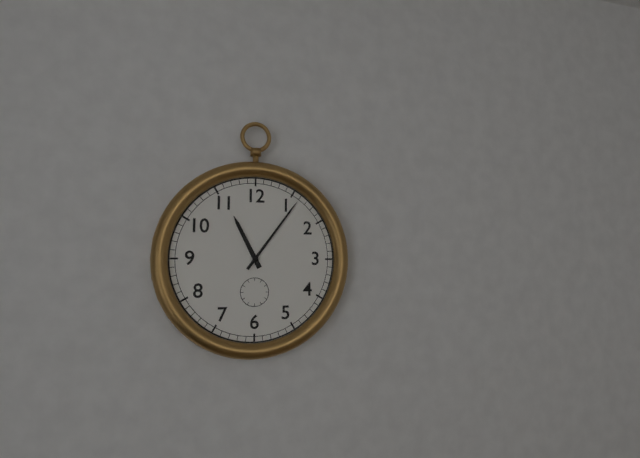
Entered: 11.06
